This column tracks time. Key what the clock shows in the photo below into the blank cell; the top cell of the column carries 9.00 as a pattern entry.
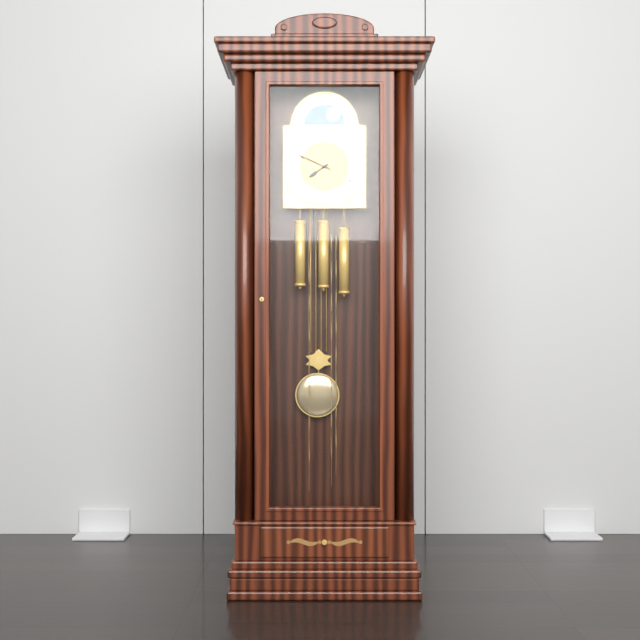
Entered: 7.49
